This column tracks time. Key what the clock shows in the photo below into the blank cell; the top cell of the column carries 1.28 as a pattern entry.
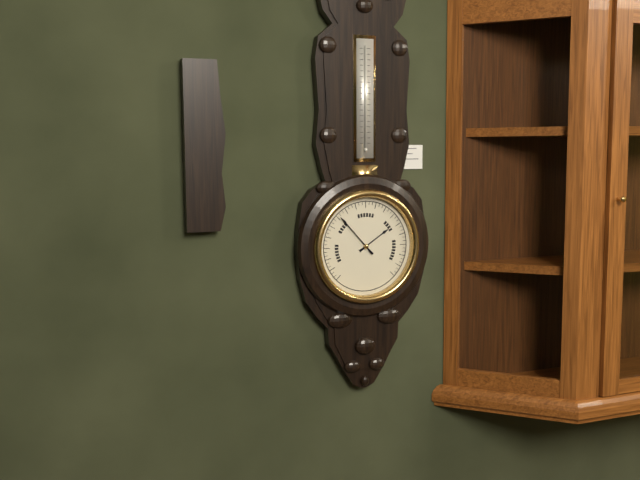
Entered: 1.53
